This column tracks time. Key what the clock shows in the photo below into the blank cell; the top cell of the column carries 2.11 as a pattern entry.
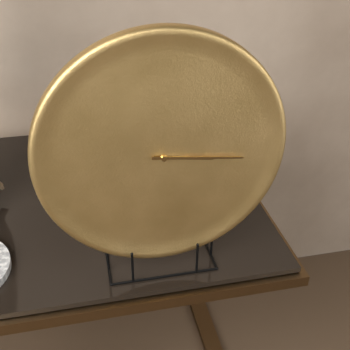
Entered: 3.16
